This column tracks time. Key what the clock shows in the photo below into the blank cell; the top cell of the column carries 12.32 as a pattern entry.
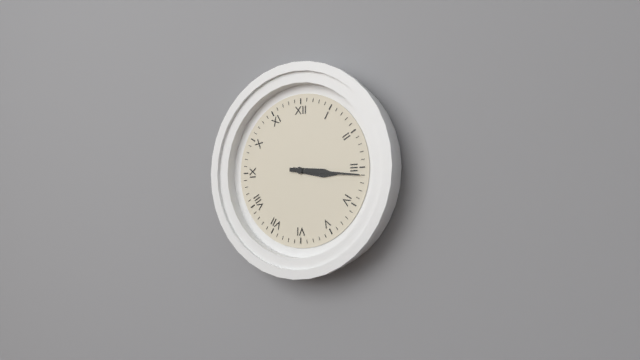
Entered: 3.16
